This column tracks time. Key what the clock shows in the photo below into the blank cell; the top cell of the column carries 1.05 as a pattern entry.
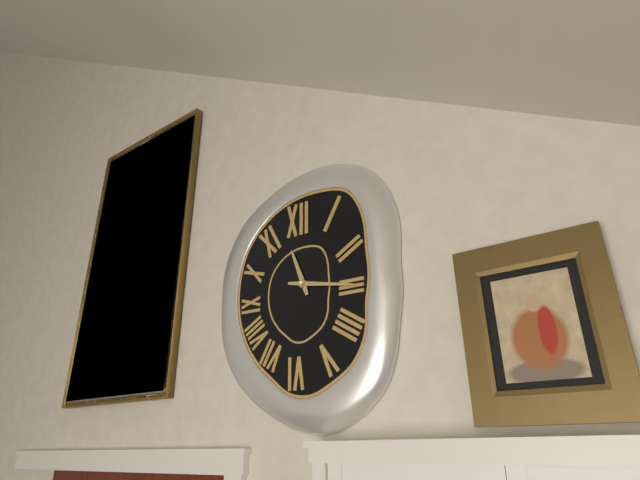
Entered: 11.17
